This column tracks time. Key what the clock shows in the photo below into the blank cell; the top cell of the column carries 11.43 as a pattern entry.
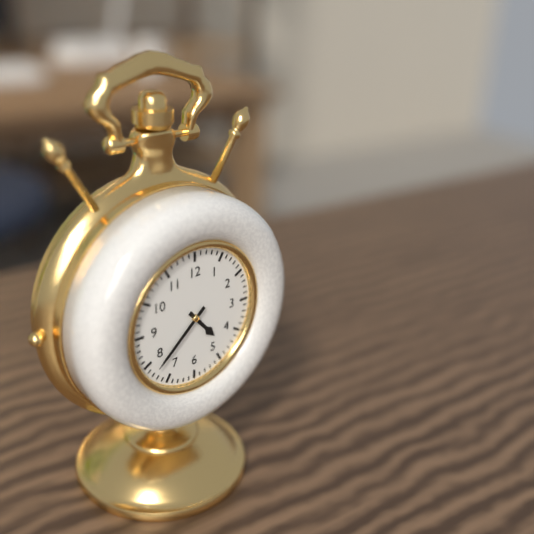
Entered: 4.38
